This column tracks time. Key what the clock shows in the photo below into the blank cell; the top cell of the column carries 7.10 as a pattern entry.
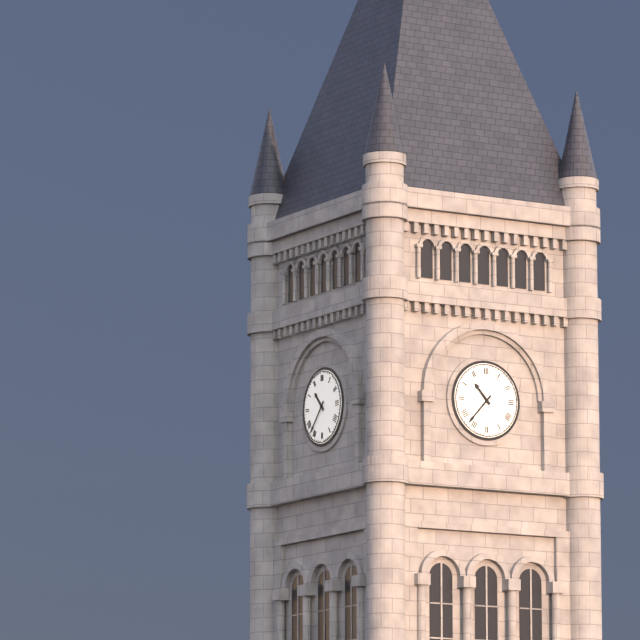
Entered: 10.37
